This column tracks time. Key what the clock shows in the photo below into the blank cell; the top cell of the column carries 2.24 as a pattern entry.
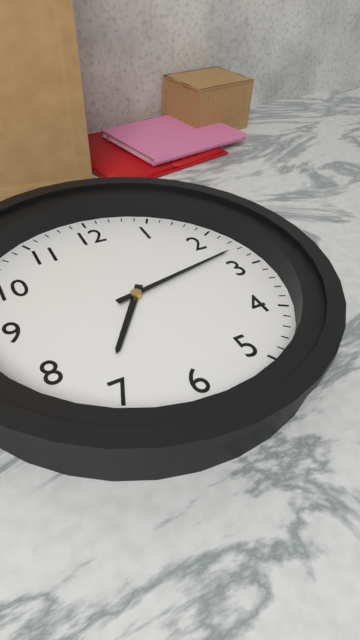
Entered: 7.13
